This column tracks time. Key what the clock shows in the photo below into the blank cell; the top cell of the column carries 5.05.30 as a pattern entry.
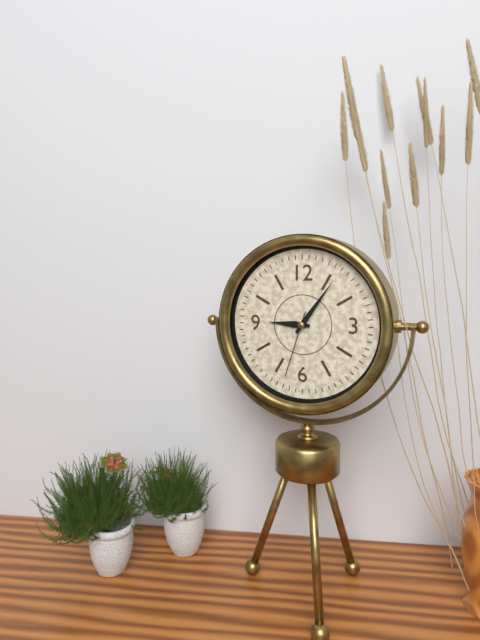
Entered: 9.06.33
